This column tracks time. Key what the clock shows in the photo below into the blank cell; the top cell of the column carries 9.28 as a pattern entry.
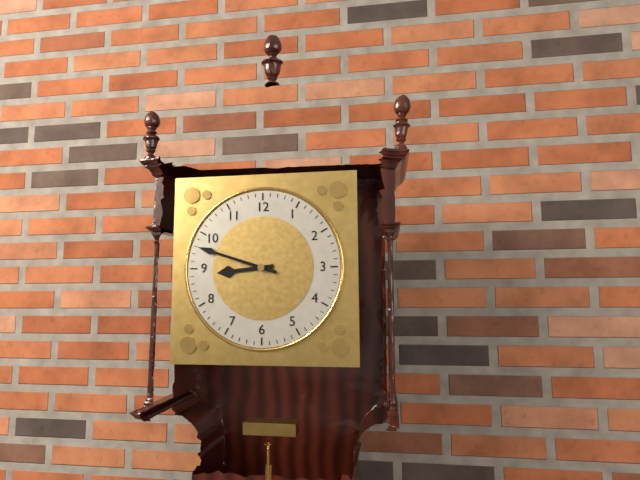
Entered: 8.48
